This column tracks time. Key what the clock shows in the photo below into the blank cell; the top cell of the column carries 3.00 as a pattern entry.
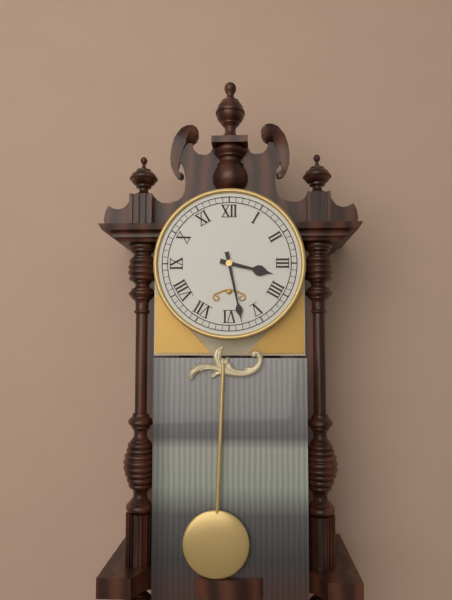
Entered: 3.28
